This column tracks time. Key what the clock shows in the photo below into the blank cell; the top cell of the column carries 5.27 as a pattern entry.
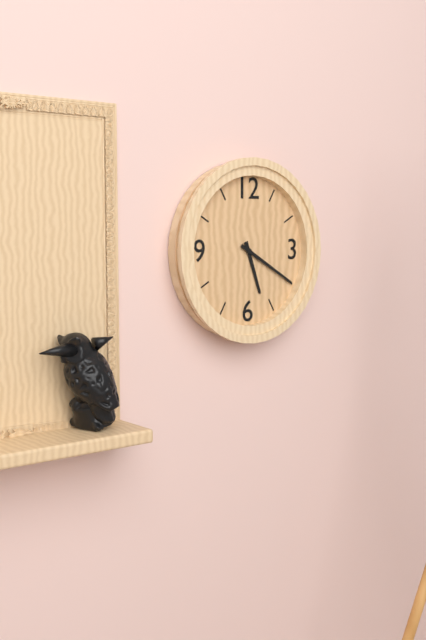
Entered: 5.20
